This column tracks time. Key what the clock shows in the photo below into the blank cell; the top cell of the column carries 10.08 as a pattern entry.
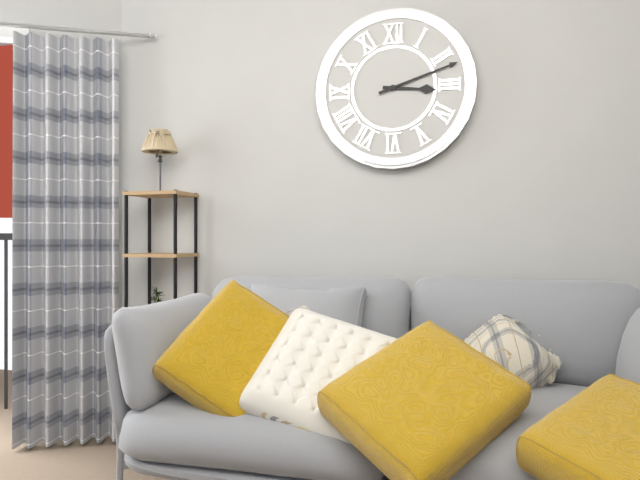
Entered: 3.12
